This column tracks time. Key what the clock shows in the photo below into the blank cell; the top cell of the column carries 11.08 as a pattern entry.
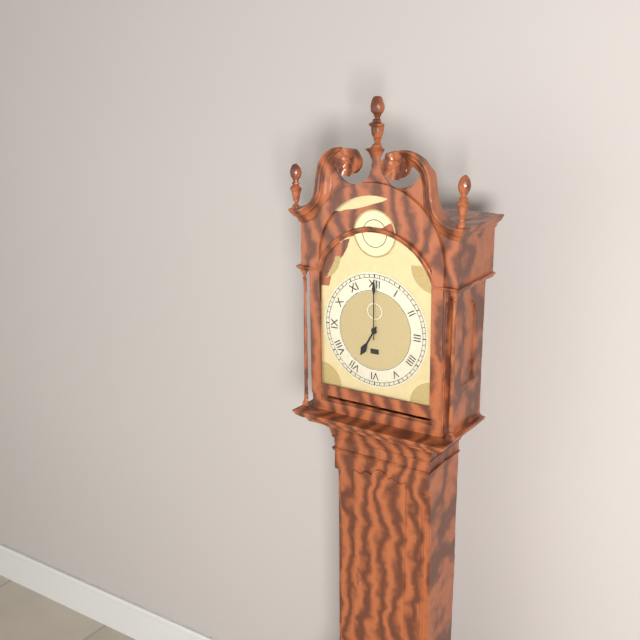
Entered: 7.00
